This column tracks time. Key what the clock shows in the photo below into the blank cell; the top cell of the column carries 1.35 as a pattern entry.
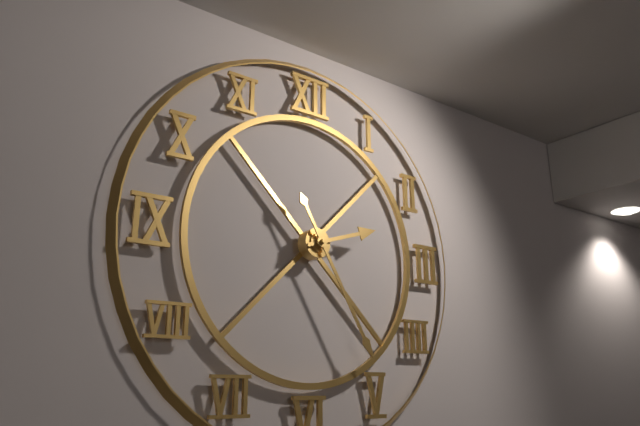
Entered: 2.25
